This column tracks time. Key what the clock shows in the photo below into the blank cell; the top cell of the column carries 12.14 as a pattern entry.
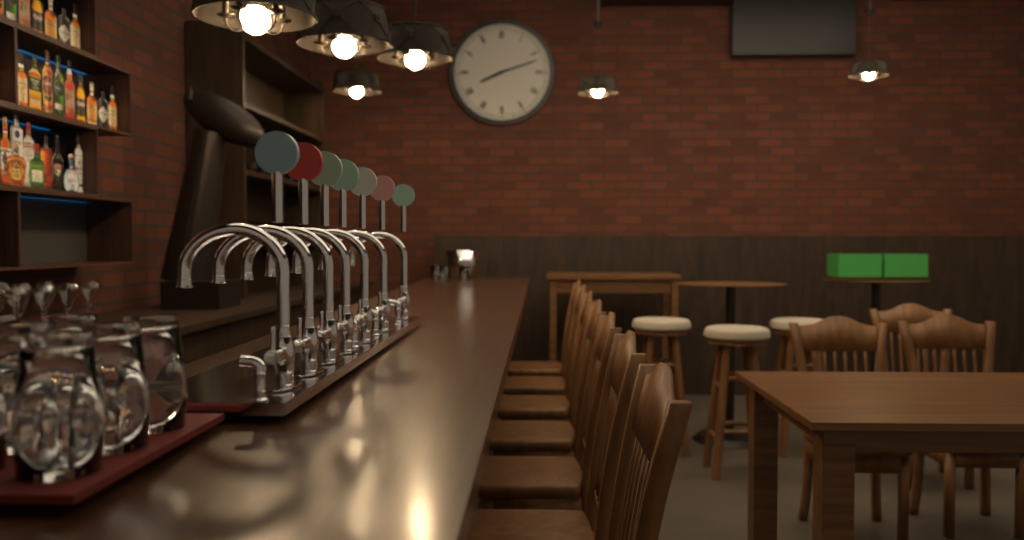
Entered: 8.12
